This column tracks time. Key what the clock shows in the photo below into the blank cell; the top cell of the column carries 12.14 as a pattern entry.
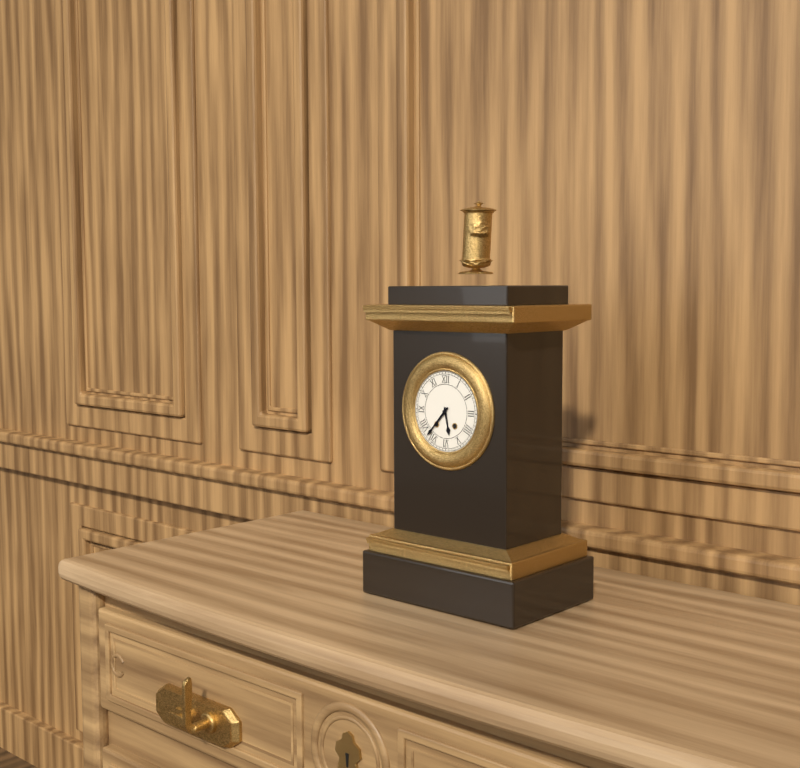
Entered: 5.37
